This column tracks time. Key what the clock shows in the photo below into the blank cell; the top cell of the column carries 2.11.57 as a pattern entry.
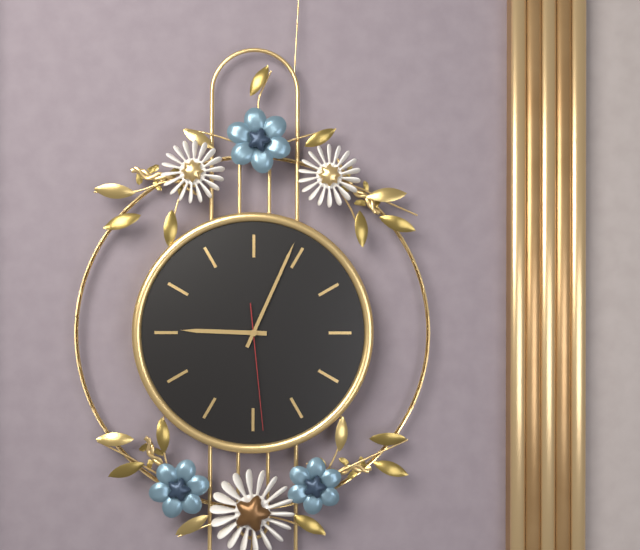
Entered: 9.04.29
